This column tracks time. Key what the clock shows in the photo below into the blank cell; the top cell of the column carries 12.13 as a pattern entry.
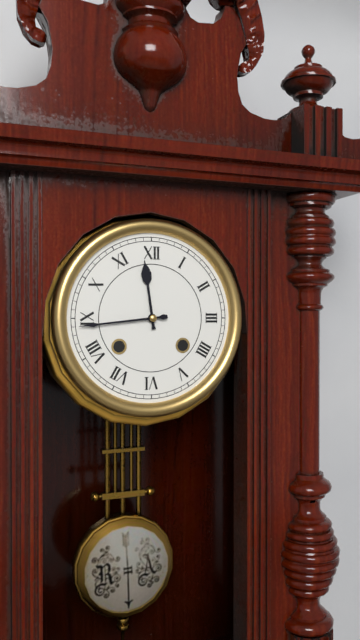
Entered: 11.44
